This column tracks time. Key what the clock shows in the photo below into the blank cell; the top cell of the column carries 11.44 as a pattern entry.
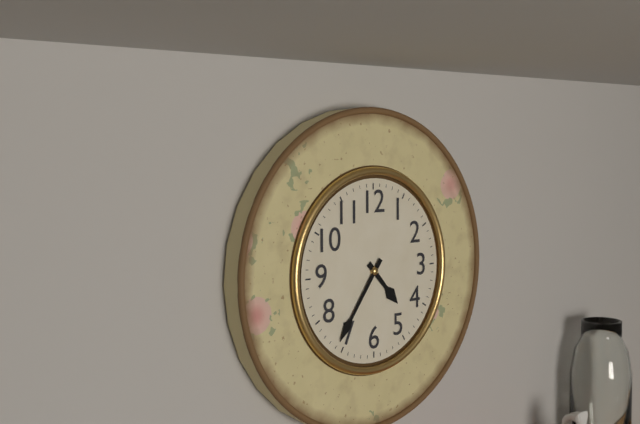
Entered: 4.36
